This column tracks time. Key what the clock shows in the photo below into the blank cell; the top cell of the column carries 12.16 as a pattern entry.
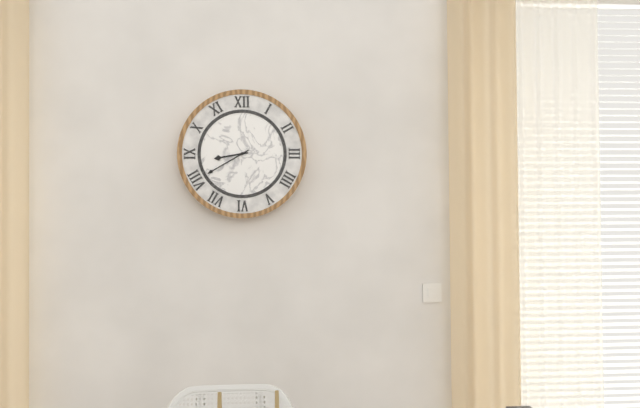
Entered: 8.40
